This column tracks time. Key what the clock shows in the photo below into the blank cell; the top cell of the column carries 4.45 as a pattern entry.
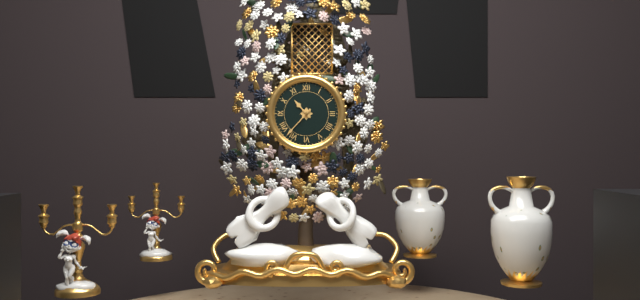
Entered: 10.37
